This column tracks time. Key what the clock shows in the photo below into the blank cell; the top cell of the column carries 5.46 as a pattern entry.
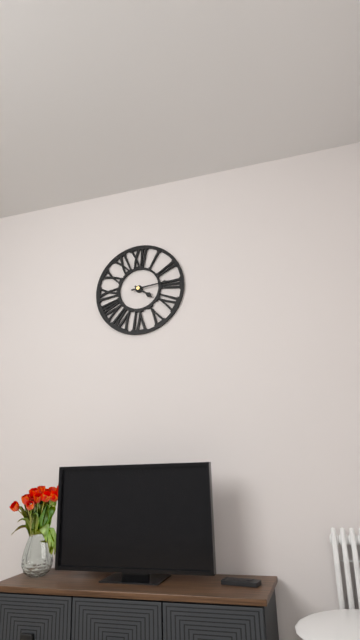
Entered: 4.14
